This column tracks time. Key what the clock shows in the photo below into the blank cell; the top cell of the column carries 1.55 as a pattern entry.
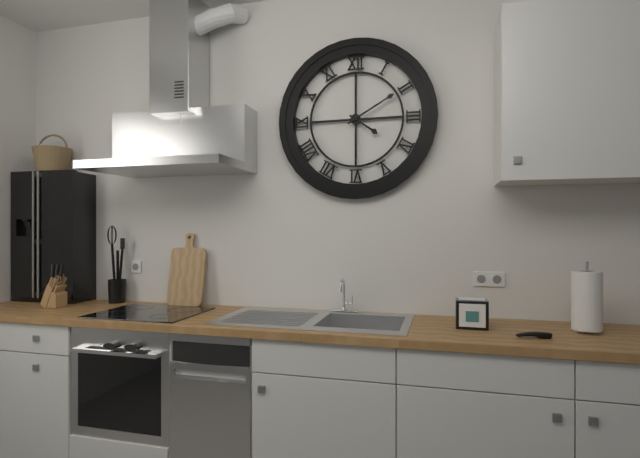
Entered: 4.10
